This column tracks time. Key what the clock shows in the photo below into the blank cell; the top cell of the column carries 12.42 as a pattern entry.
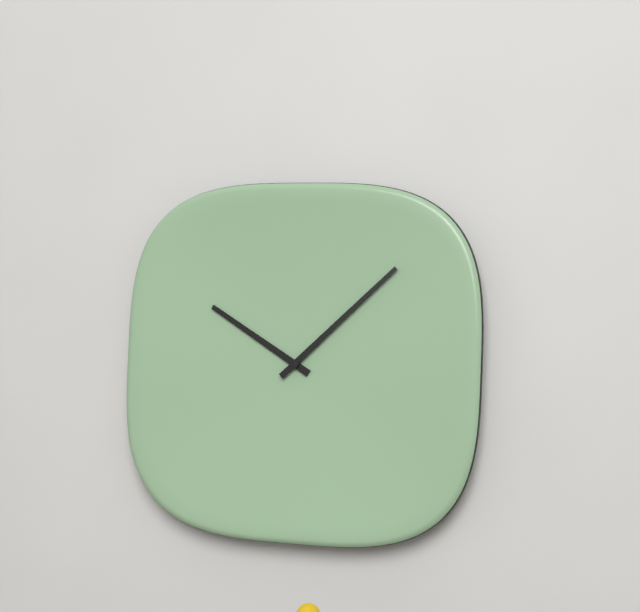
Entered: 10.08
